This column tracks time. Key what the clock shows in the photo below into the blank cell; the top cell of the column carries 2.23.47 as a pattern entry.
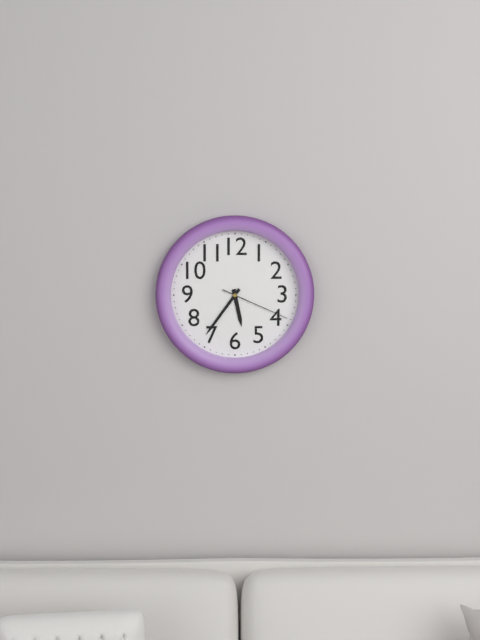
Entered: 5.36.19
